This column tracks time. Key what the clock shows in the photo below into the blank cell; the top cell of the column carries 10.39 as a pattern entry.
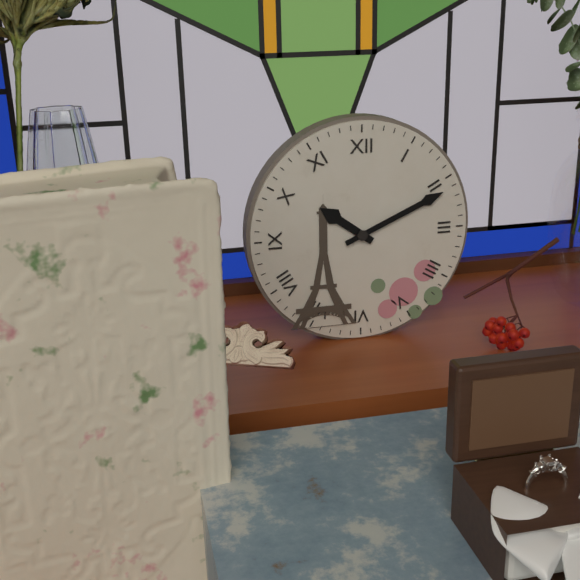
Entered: 10.11
